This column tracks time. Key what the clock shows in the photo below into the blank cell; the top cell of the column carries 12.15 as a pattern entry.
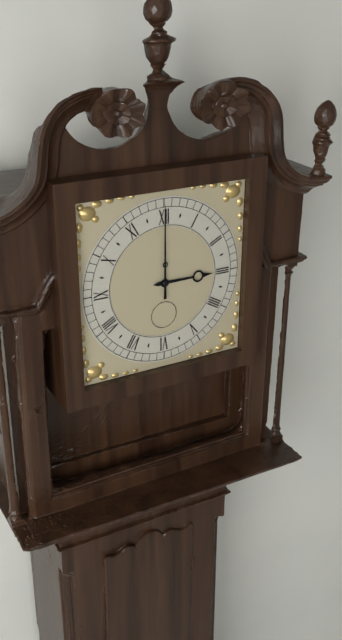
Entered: 3.00
